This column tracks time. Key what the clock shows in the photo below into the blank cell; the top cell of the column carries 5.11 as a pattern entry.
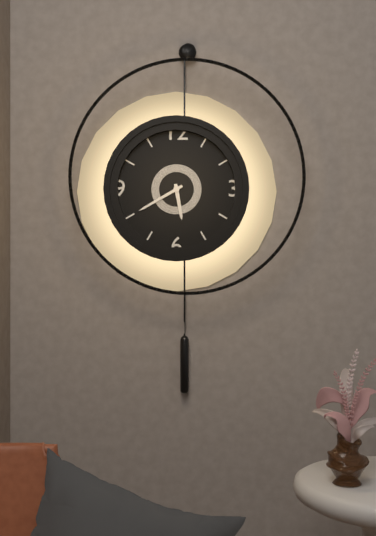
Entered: 5.40
